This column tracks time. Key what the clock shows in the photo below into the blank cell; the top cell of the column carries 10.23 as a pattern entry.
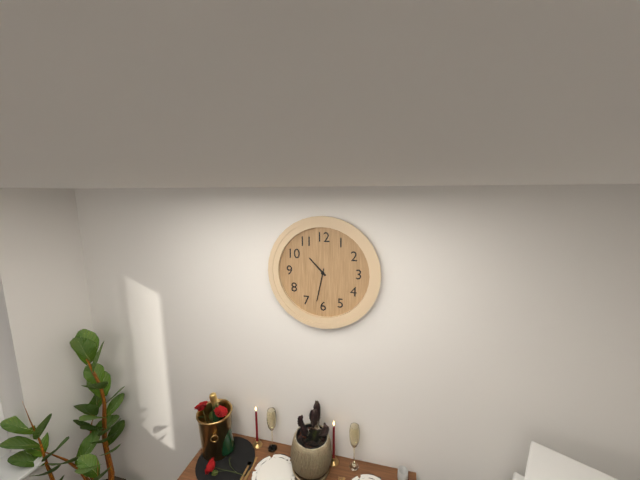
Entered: 10.32
